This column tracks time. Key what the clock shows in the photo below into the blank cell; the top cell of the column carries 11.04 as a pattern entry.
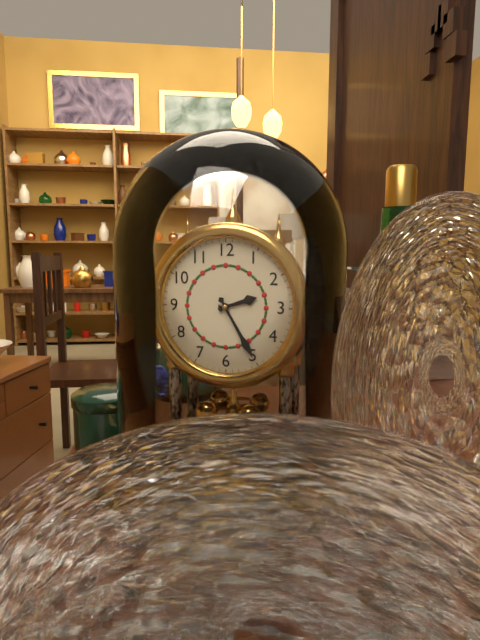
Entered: 2.25
